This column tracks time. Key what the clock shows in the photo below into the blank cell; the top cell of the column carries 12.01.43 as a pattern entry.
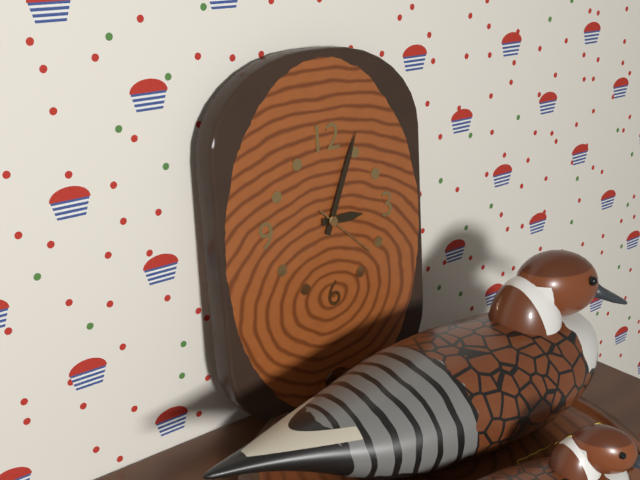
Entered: 3.04.22
